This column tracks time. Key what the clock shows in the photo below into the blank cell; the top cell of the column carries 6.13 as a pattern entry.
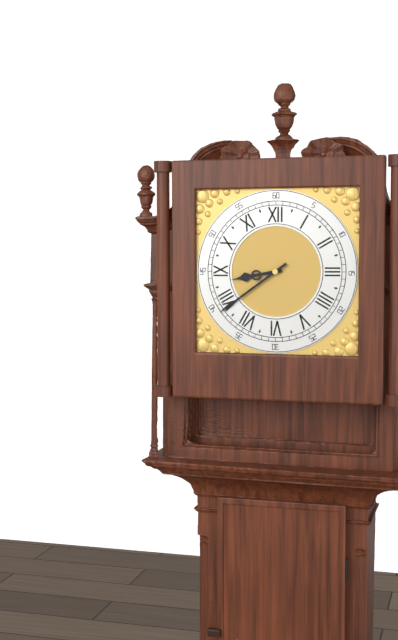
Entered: 8.39
